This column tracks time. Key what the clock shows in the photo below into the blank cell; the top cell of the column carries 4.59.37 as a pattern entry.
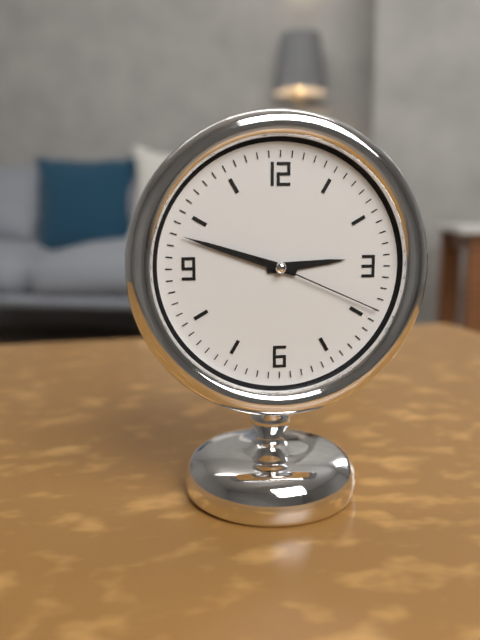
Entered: 2.48.19
